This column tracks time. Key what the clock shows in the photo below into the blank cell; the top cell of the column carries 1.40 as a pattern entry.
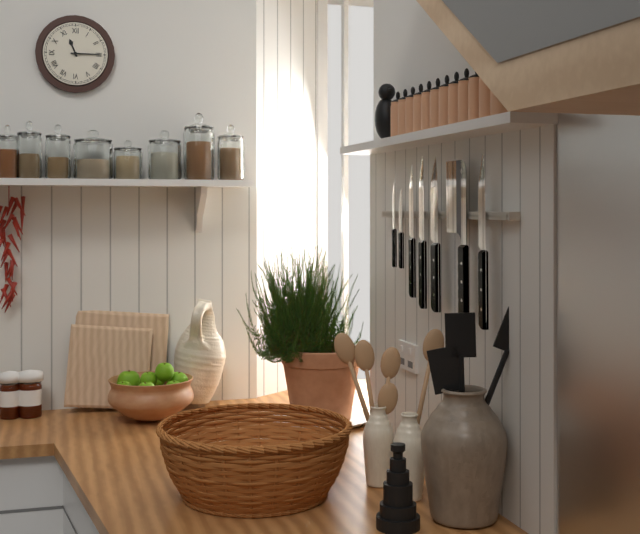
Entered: 11.15
